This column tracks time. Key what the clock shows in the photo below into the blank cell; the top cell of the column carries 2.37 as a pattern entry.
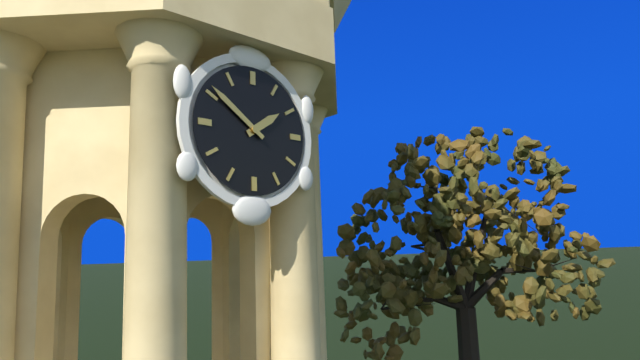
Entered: 1.51
